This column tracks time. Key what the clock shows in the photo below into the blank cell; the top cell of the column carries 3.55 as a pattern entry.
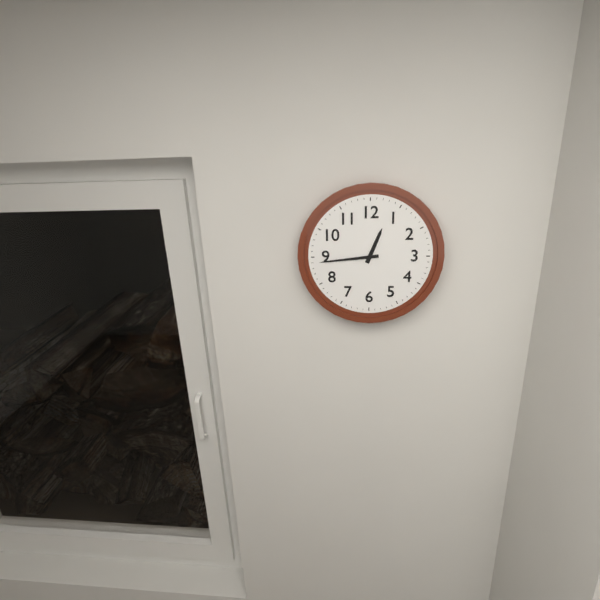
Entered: 12.44
